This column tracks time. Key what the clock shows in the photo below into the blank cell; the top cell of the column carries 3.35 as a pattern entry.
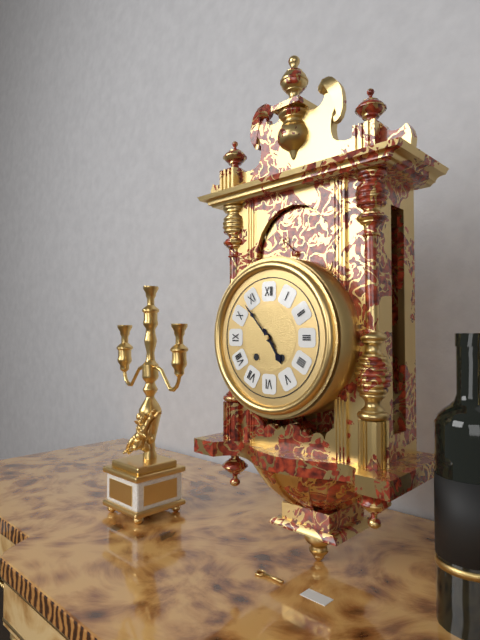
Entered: 4.53
